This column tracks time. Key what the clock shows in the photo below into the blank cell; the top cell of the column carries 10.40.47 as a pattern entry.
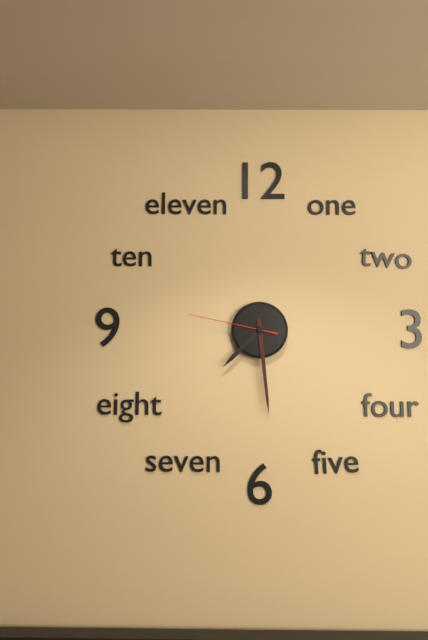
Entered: 7.29.47
